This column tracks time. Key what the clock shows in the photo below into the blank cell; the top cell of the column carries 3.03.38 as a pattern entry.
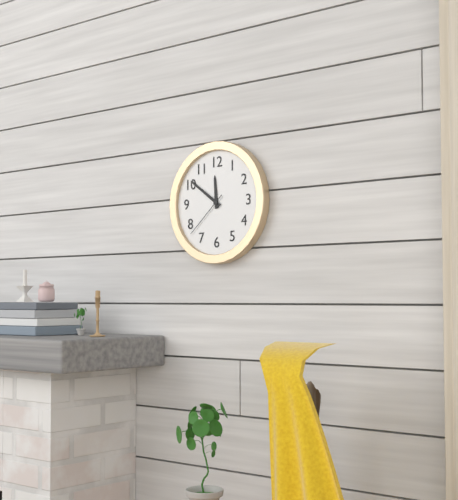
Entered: 11.51.38
